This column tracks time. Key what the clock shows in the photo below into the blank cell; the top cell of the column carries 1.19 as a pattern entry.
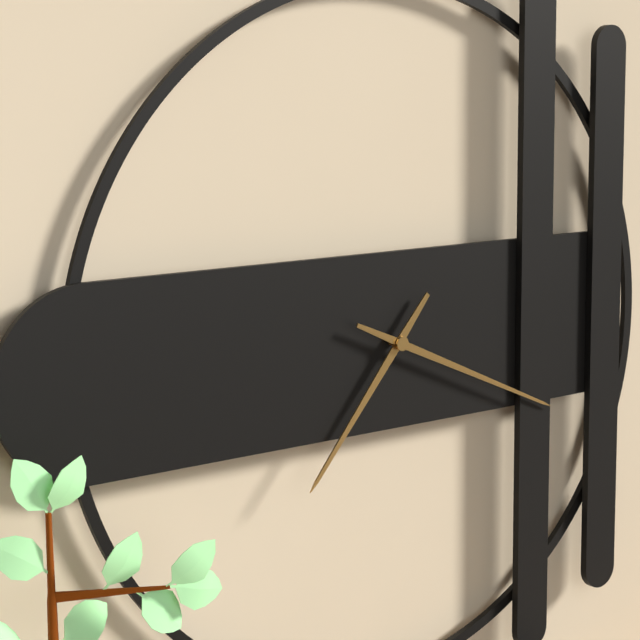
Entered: 7.19
